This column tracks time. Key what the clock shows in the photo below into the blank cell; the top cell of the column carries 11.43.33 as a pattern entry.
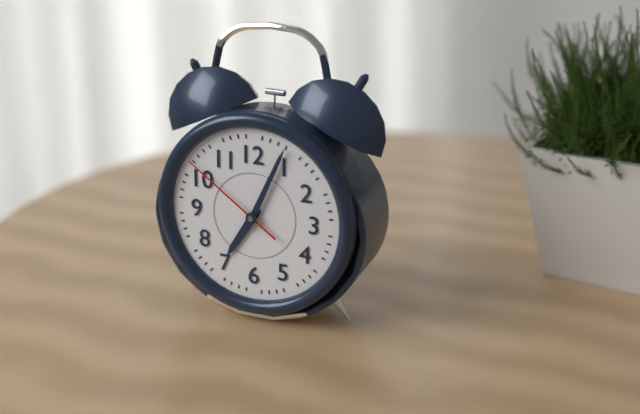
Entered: 7.04.51
